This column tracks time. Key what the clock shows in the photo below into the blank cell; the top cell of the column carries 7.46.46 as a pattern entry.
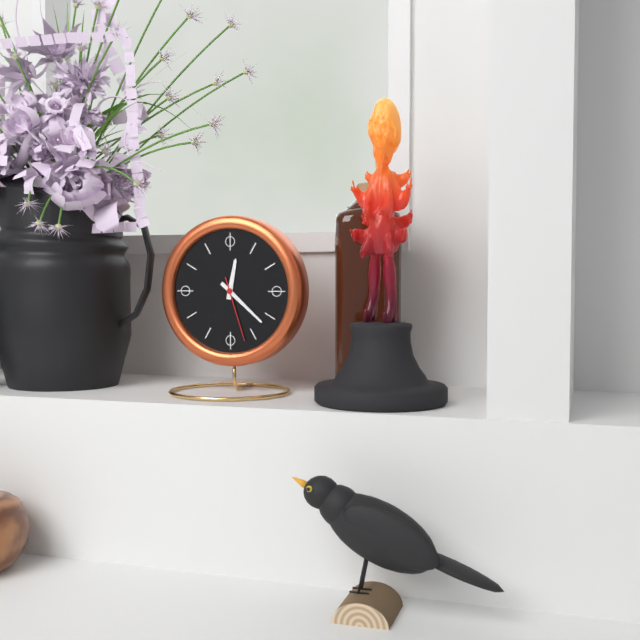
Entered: 12.22.27
